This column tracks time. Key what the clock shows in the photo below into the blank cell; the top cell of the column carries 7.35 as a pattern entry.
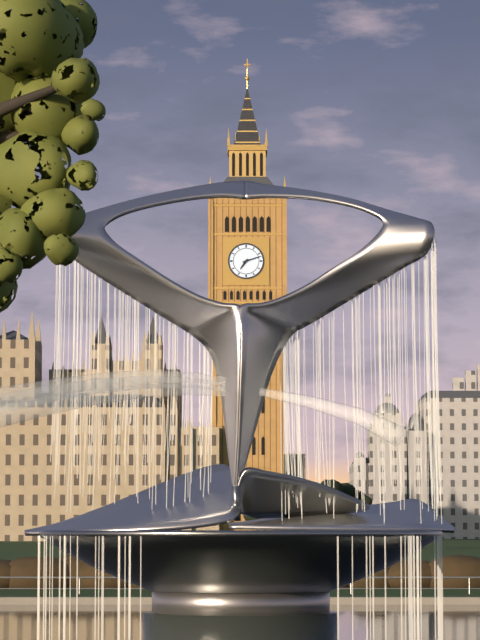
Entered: 7.12
